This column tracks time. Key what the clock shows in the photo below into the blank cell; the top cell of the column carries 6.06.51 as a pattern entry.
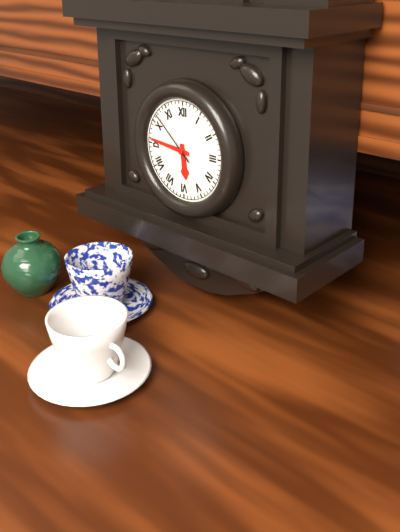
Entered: 5.46.52
